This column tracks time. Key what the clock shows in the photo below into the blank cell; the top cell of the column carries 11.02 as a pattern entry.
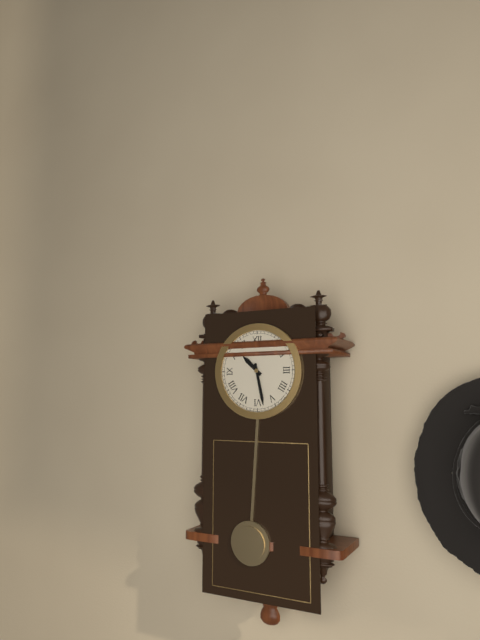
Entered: 10.28
